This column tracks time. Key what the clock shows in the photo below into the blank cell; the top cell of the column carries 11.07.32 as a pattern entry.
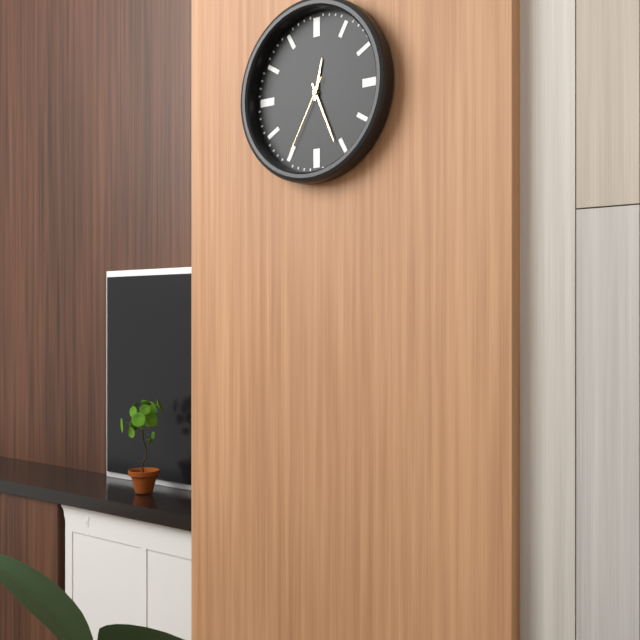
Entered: 12.26.35
